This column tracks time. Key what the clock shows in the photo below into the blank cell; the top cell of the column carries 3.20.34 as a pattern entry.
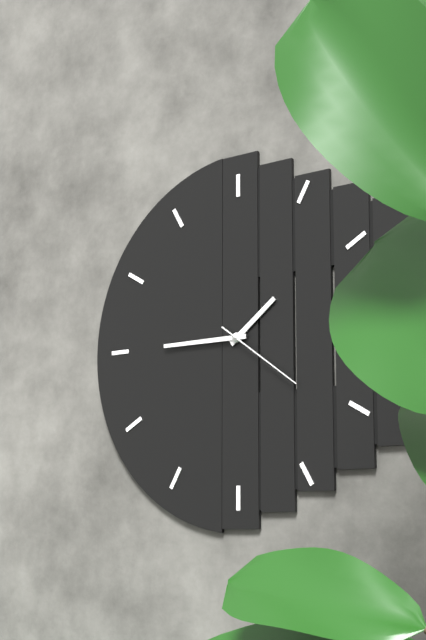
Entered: 1.45.21
